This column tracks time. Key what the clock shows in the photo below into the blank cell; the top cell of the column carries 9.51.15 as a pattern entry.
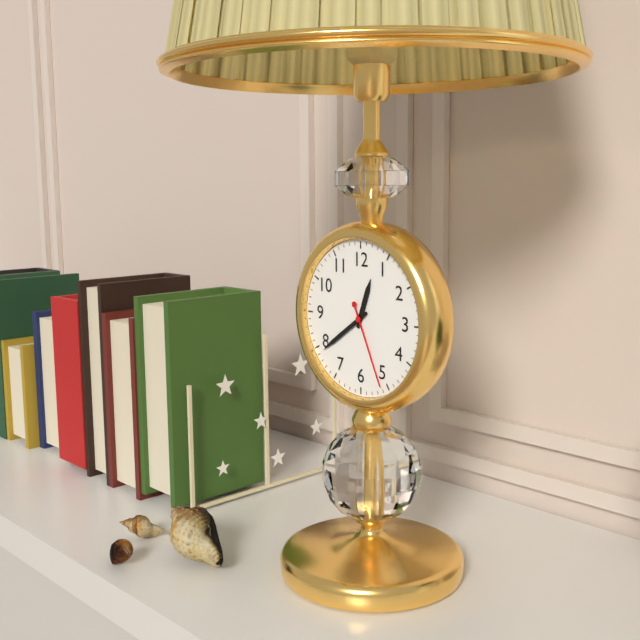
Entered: 12.39.26
